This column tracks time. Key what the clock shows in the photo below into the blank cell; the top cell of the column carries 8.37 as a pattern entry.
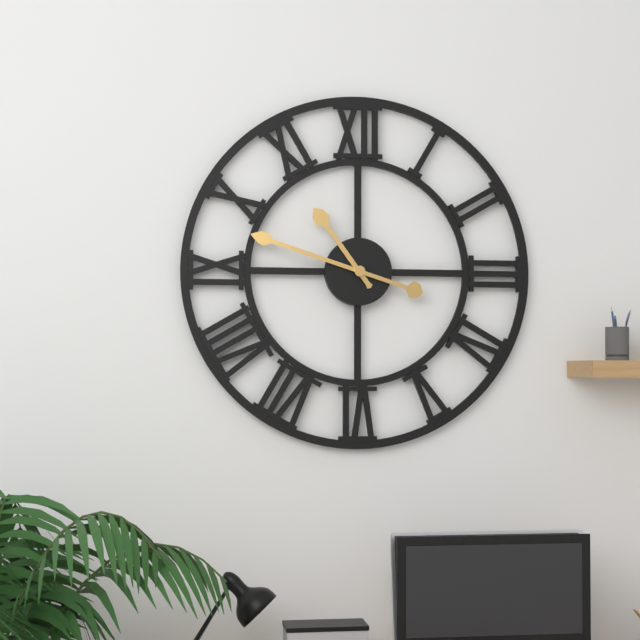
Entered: 10.48
